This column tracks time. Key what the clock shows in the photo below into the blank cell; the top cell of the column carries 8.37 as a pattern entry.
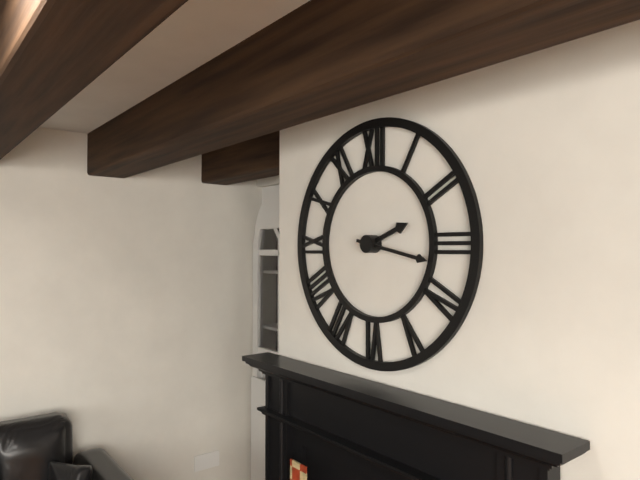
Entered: 2.17
